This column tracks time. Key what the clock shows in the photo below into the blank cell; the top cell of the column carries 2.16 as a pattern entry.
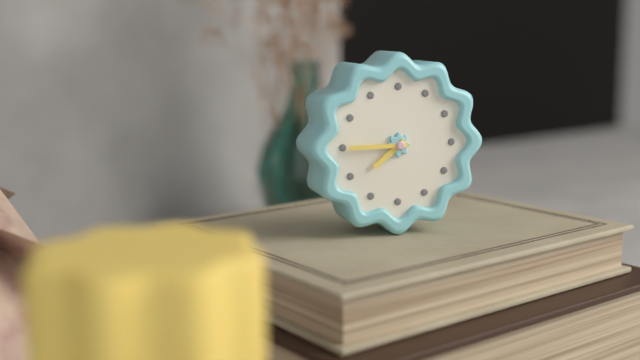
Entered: 7.45
